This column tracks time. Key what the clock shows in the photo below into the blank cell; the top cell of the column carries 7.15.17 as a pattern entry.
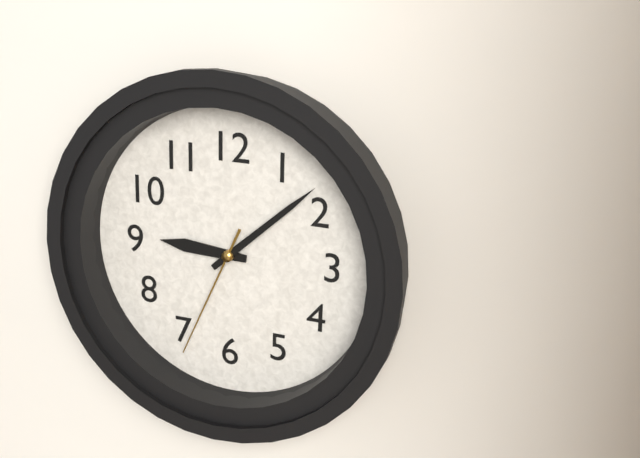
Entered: 9.08.34
